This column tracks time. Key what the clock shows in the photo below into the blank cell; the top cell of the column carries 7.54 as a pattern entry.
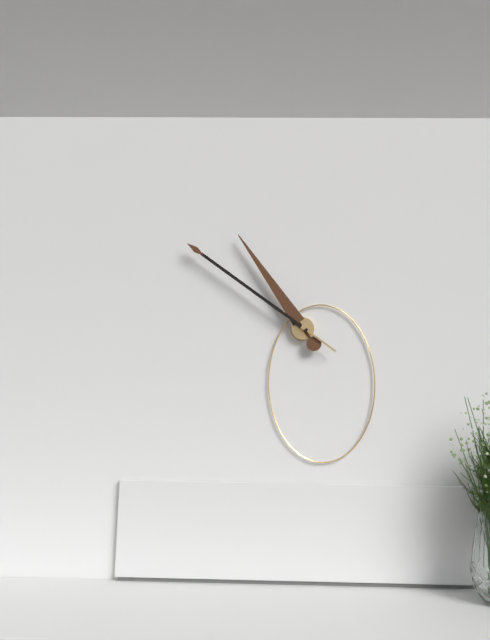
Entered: 10.51
